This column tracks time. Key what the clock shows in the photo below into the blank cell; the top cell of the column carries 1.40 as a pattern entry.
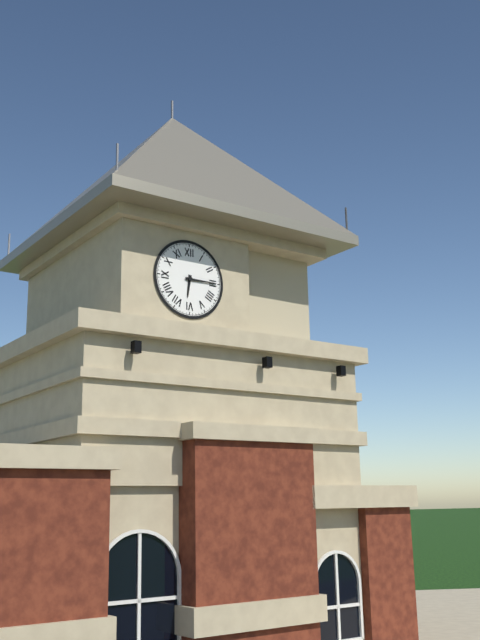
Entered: 6.15
